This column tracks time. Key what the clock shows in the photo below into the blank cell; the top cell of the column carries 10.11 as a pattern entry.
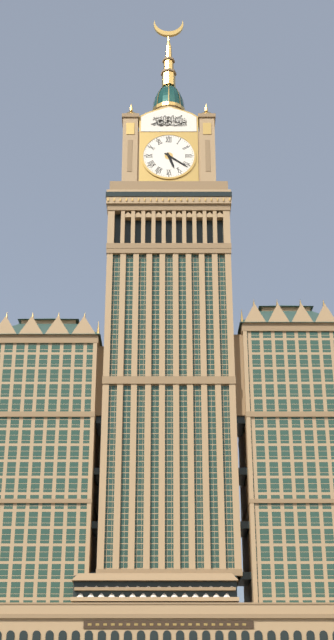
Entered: 5.21
